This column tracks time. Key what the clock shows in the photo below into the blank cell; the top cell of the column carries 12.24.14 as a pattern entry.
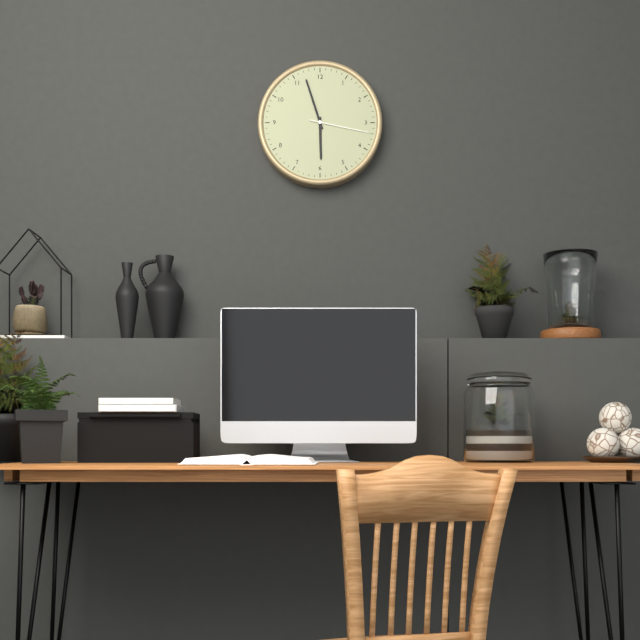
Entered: 5.57.17
